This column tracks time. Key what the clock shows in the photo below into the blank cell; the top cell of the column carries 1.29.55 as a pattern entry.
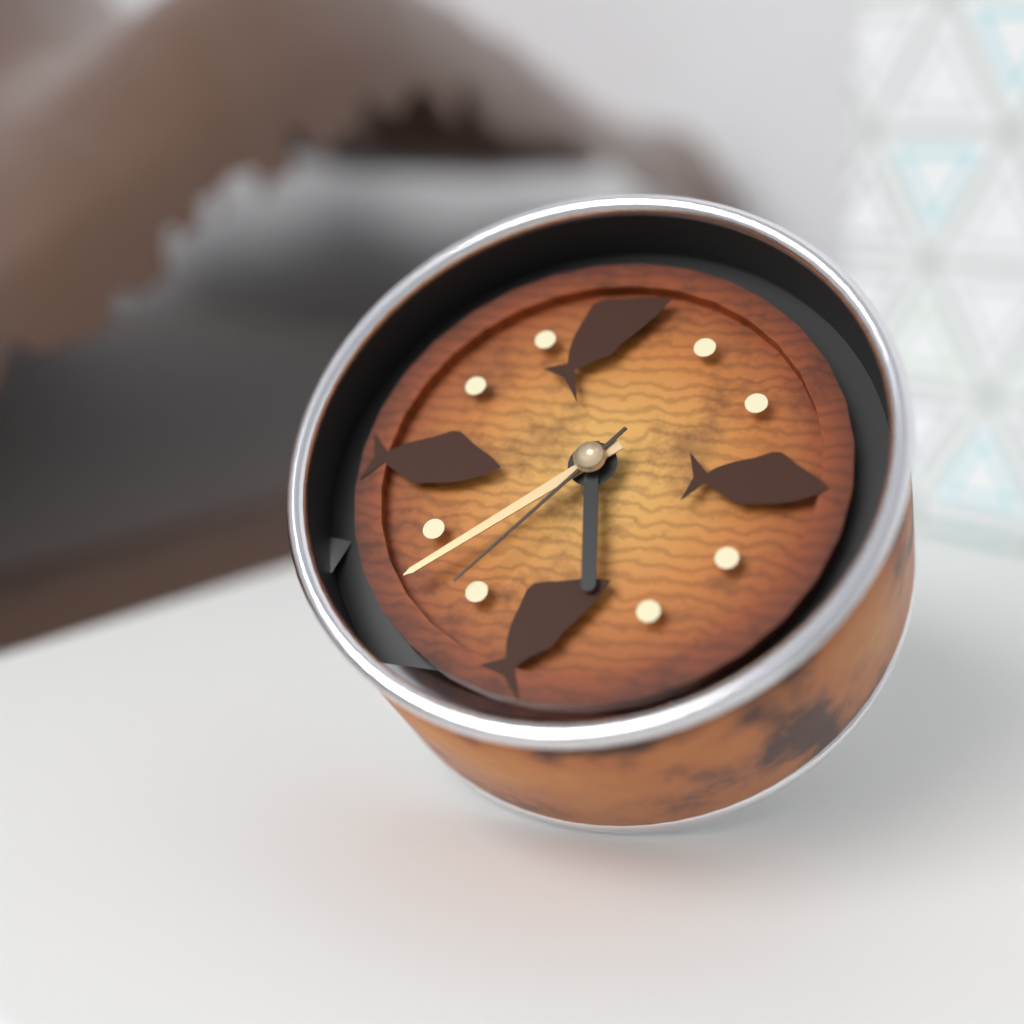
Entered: 5.38.36
